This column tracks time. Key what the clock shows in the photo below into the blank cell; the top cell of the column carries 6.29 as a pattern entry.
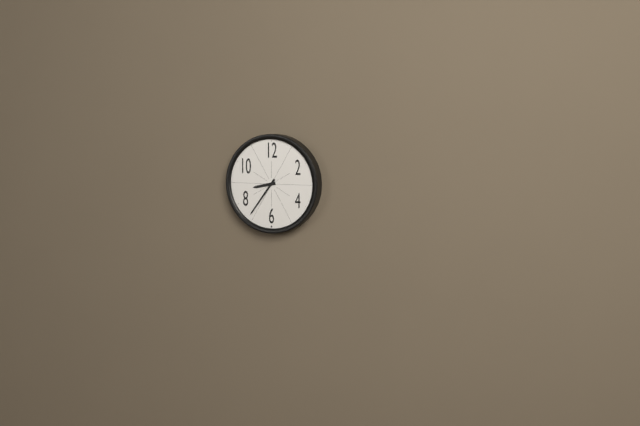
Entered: 8.36
